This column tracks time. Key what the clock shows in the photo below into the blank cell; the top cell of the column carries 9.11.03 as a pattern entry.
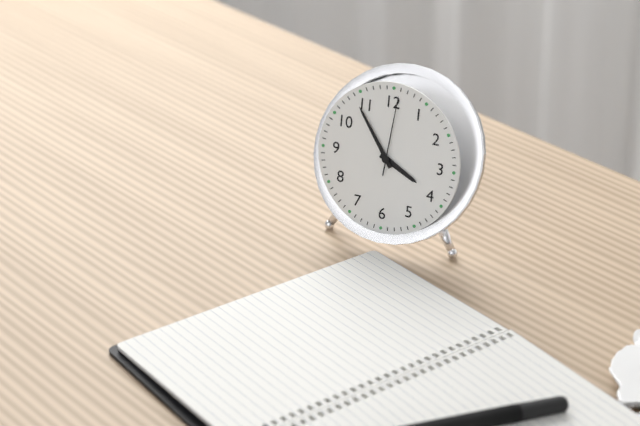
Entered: 3.54.01
